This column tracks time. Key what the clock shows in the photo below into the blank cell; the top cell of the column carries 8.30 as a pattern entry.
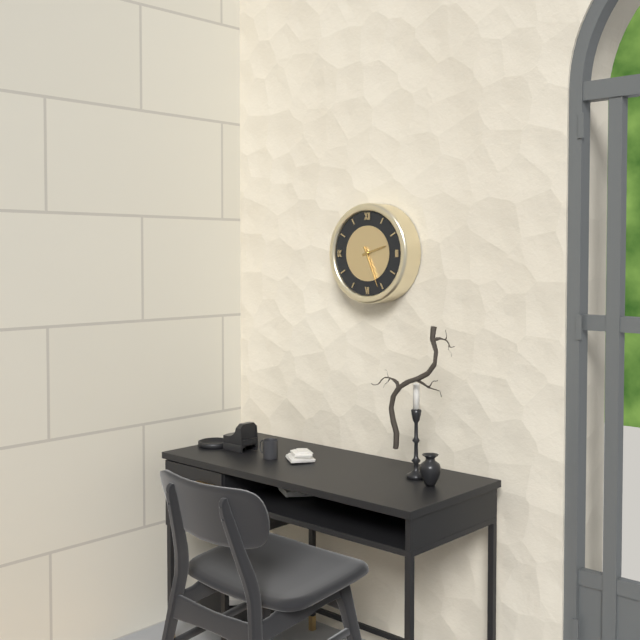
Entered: 2.26
